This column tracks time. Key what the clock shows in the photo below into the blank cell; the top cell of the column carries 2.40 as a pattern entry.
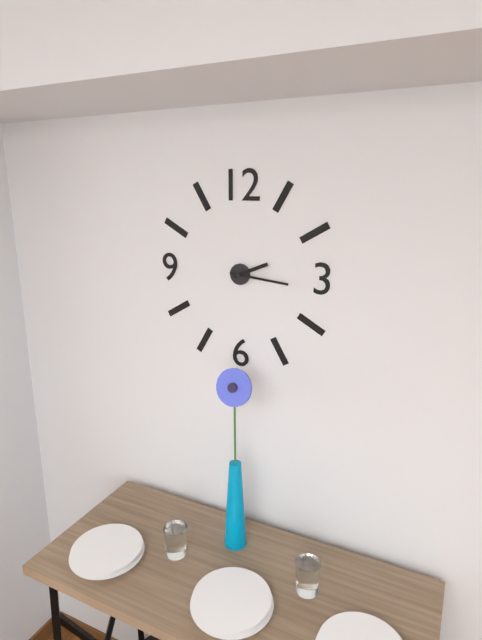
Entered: 2.16
